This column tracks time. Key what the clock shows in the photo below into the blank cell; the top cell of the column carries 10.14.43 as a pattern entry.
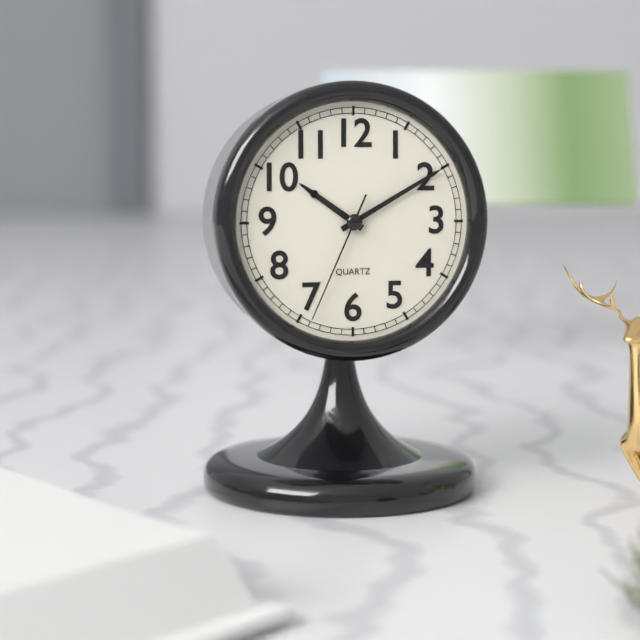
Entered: 10.10.34
